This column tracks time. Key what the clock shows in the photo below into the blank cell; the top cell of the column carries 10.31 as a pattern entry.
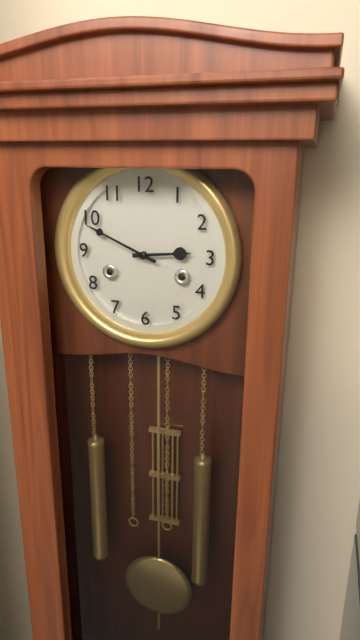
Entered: 2.49
